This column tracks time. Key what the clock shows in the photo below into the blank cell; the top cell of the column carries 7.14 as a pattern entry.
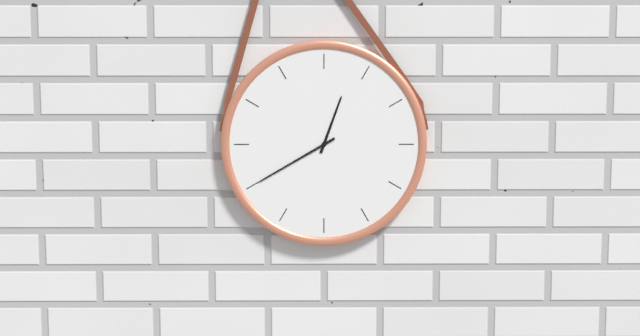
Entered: 12.40
